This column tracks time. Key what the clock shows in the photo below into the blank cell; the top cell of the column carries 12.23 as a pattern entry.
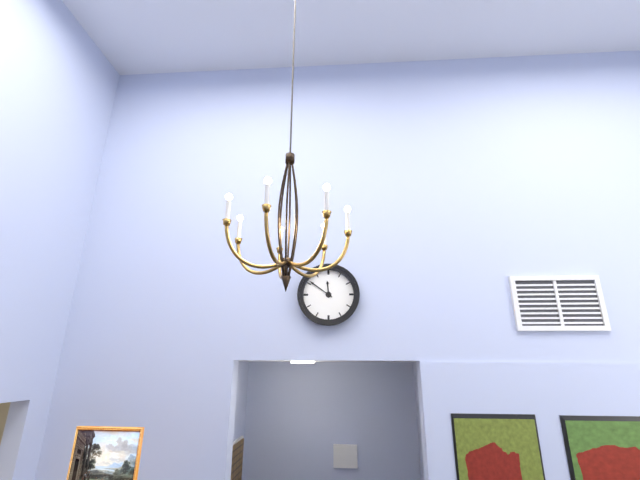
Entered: 11.51
